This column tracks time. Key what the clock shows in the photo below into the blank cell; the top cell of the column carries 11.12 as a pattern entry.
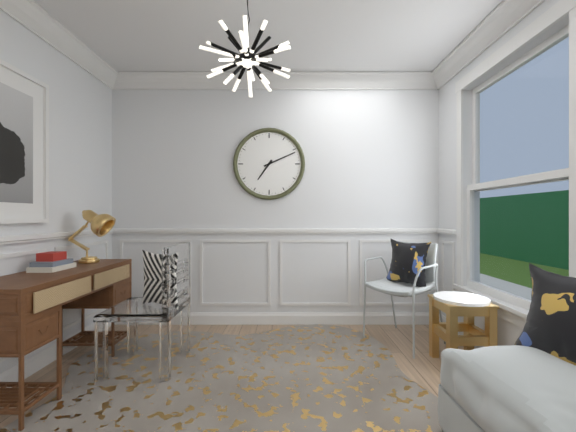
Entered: 7.11
